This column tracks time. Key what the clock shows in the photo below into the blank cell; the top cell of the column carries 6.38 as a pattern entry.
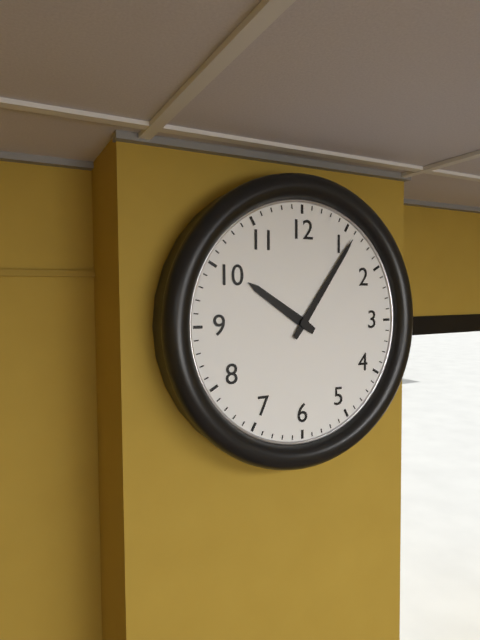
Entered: 10.06
